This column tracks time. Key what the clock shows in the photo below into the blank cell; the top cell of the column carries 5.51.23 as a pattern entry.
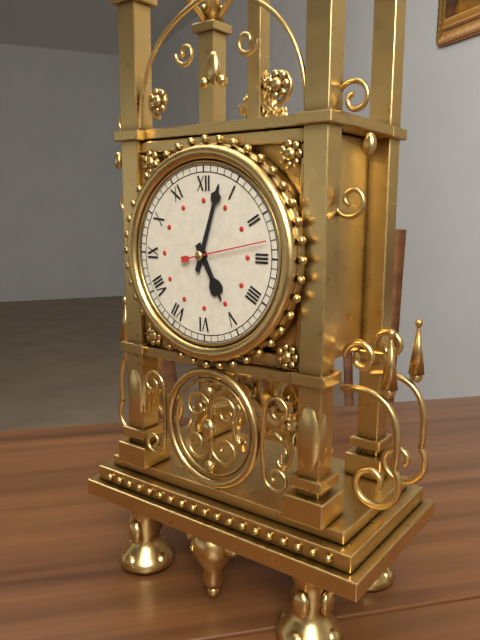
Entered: 5.03.13
